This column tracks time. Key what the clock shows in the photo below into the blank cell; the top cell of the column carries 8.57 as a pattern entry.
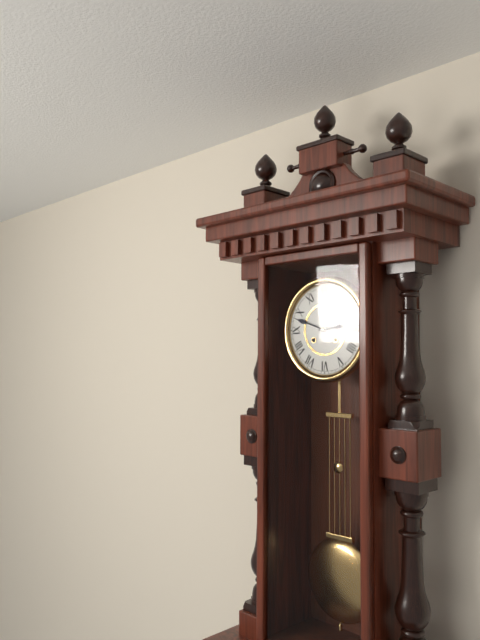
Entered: 2.48
